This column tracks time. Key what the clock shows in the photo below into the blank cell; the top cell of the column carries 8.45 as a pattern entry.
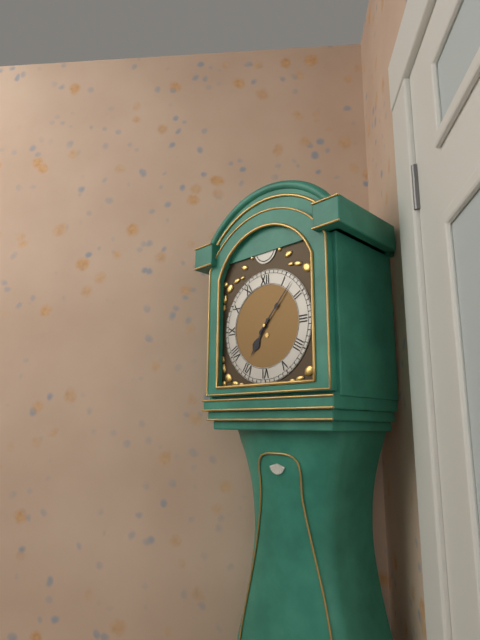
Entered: 7.07
